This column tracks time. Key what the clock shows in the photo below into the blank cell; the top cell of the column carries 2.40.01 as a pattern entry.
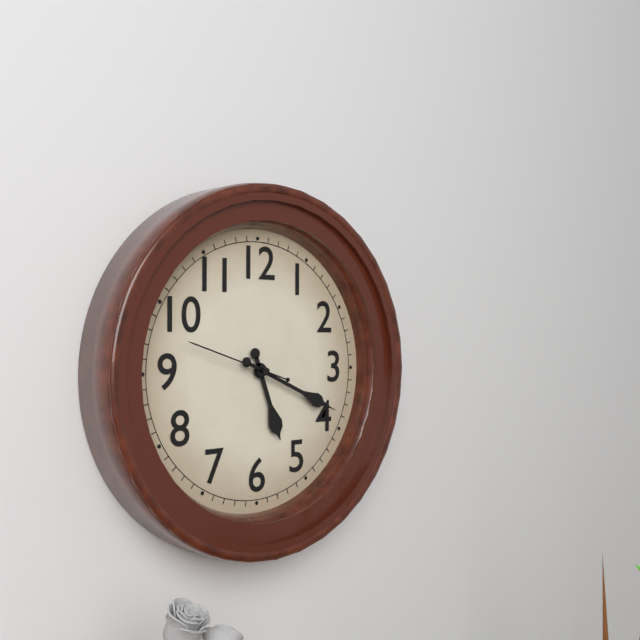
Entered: 5.19.48
